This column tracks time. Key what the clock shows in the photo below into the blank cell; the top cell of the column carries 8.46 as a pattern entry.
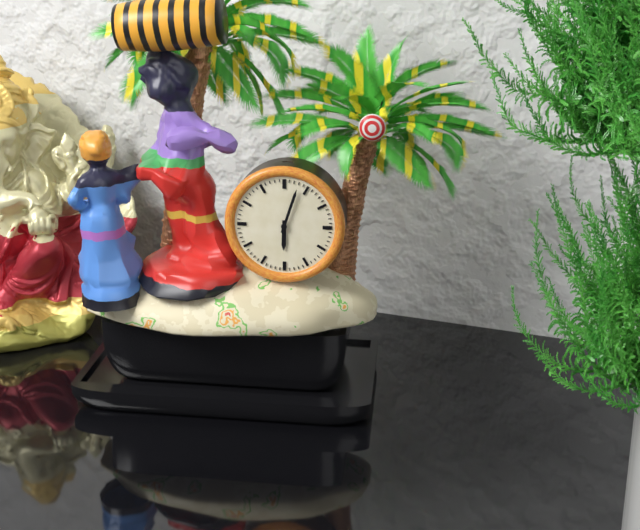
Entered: 6.03
